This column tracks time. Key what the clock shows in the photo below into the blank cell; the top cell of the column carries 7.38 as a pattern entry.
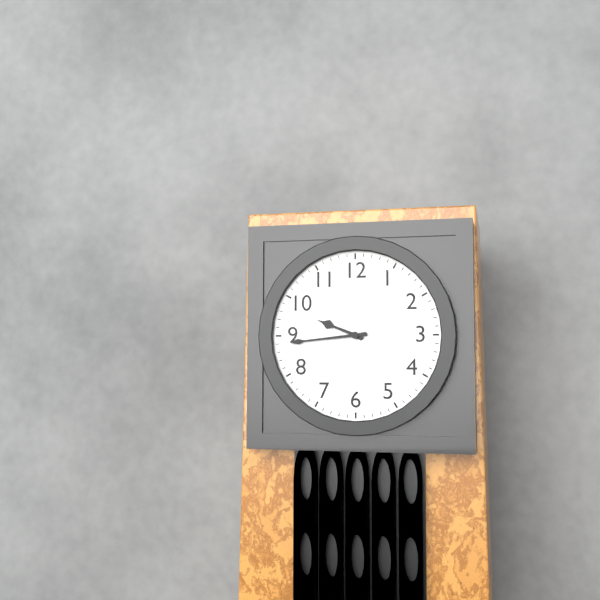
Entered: 9.44
